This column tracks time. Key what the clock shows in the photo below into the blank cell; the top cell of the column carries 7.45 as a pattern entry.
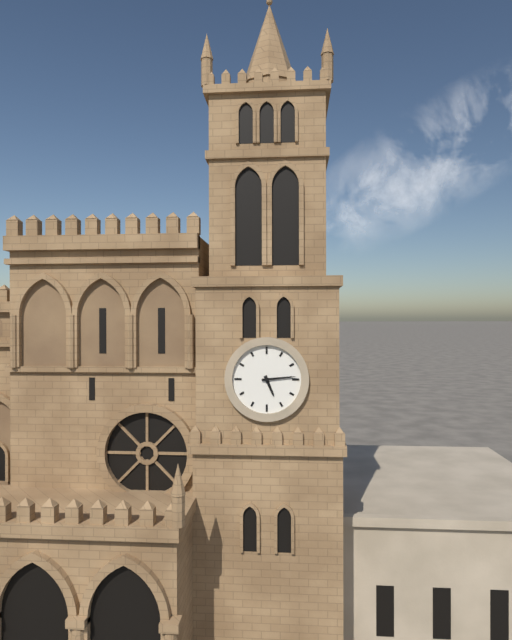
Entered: 5.14
